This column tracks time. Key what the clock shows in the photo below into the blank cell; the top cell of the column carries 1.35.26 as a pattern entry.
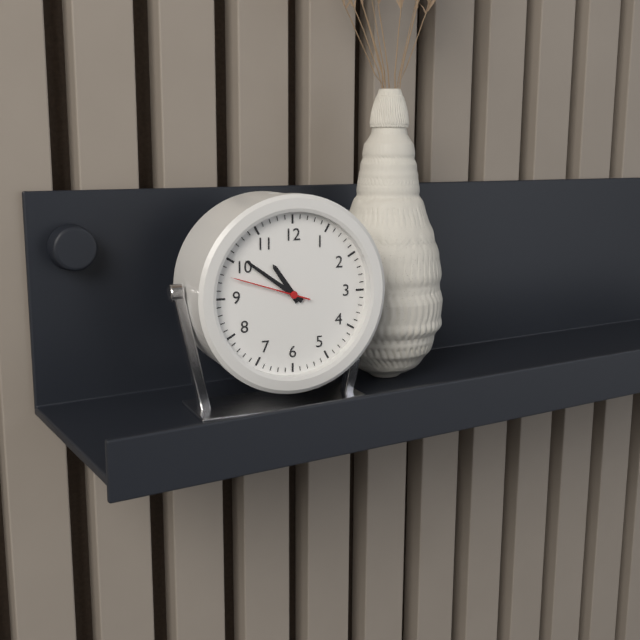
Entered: 10.51.48
